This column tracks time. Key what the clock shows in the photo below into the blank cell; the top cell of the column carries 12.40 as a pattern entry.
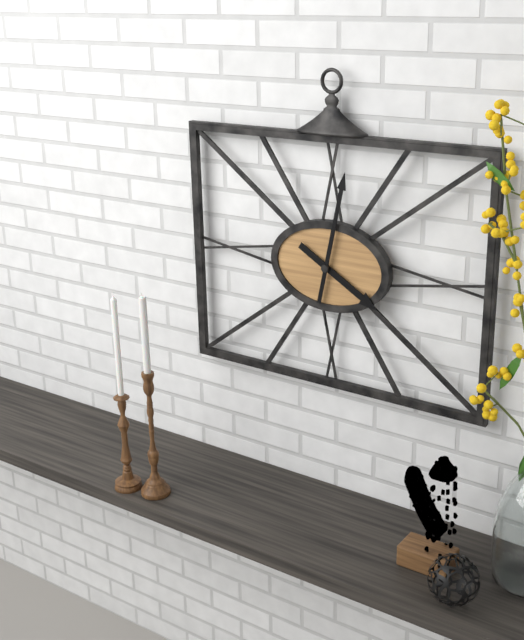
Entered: 4.02
